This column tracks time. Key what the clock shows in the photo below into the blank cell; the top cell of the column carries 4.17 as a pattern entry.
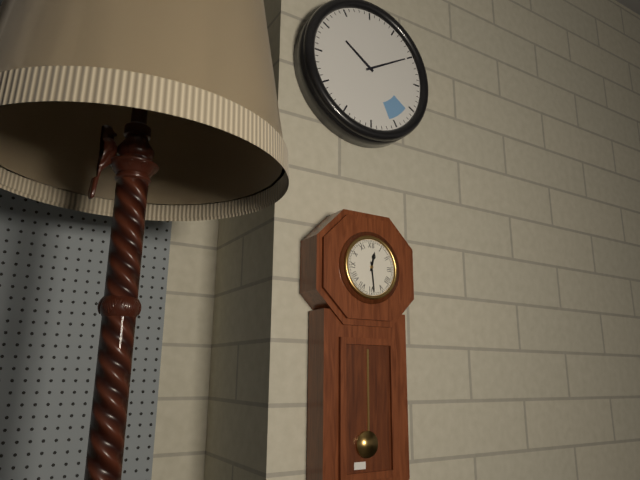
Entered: 12.29
